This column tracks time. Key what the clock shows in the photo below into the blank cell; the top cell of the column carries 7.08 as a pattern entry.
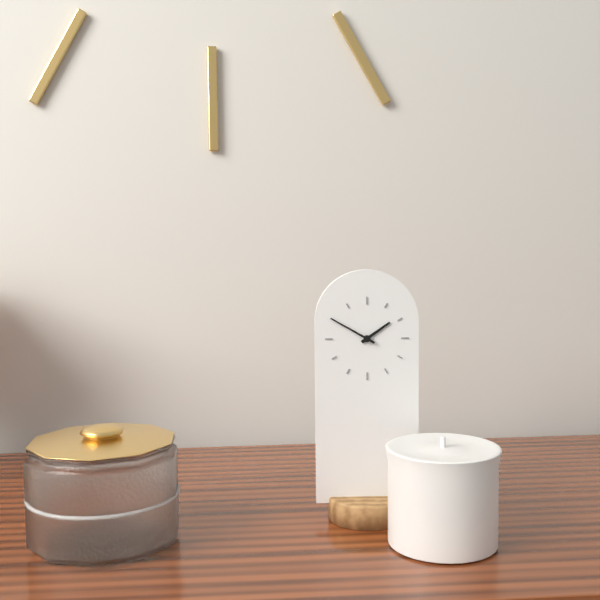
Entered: 1.50
